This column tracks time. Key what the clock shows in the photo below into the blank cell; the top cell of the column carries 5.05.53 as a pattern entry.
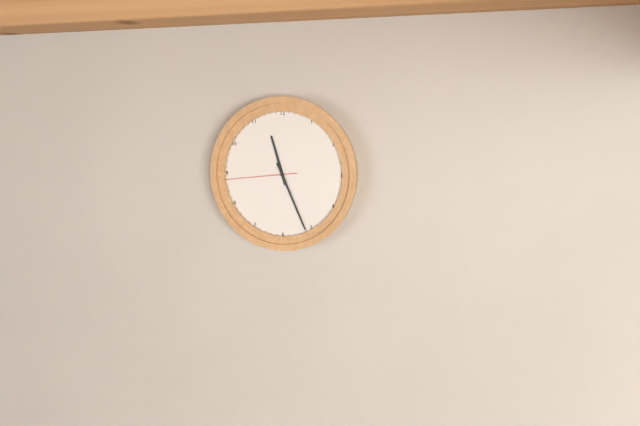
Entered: 11.26.44
